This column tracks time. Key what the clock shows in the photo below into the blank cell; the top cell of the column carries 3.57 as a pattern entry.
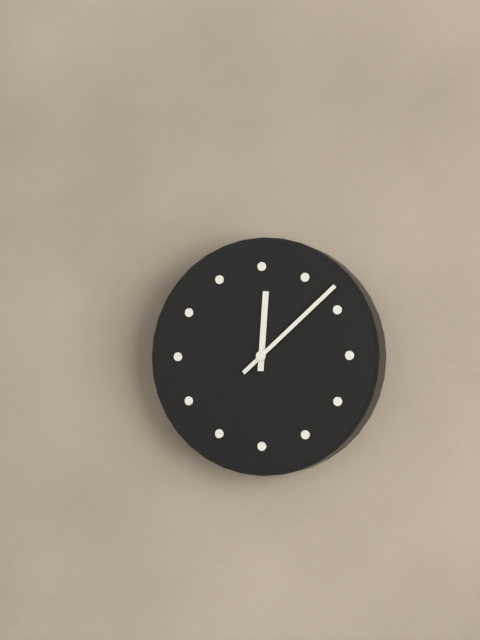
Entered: 12.08
